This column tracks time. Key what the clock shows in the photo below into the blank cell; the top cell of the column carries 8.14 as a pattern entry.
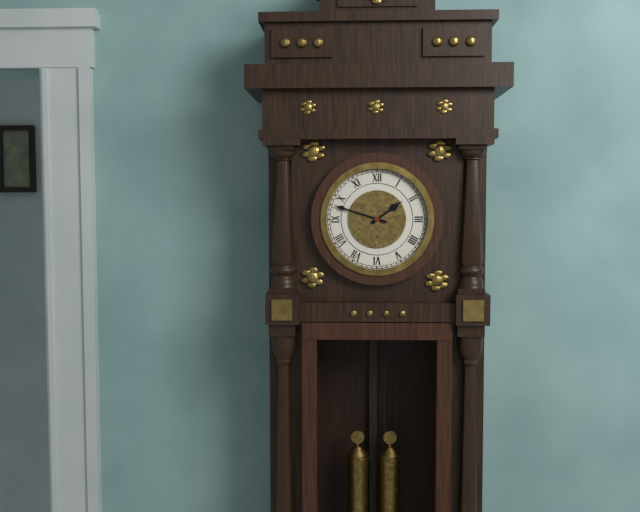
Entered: 1.48
